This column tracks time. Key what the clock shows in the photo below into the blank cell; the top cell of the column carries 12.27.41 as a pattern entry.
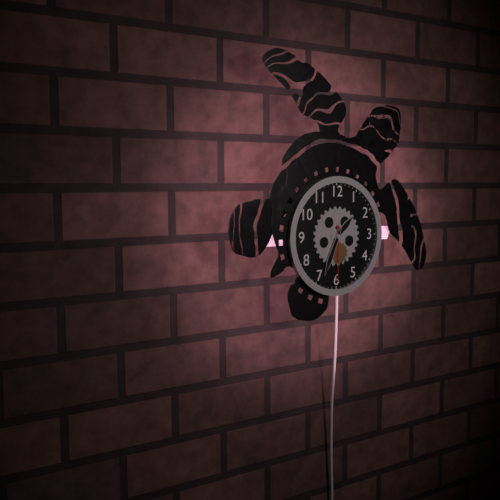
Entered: 1.34.30
